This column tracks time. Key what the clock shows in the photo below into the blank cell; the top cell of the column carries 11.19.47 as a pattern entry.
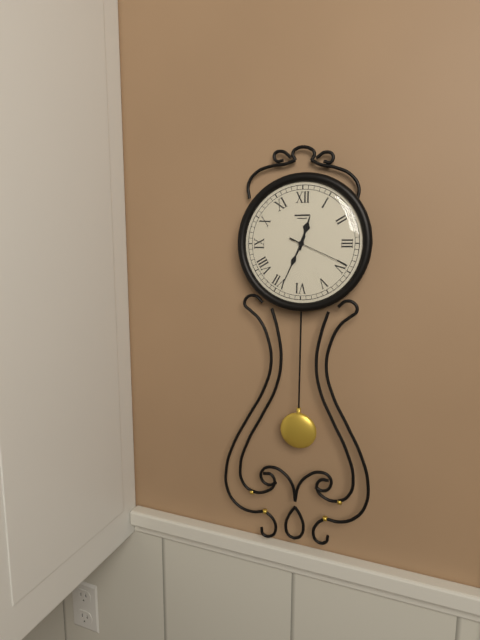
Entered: 12.34.19
